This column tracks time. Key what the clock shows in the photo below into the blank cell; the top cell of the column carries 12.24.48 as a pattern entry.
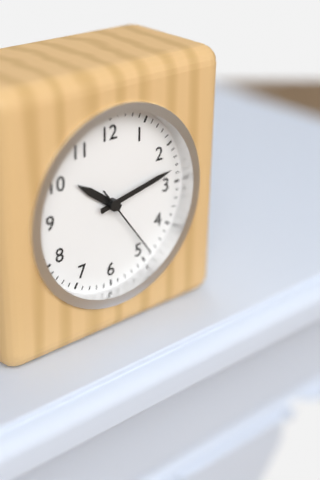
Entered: 10.13.24
